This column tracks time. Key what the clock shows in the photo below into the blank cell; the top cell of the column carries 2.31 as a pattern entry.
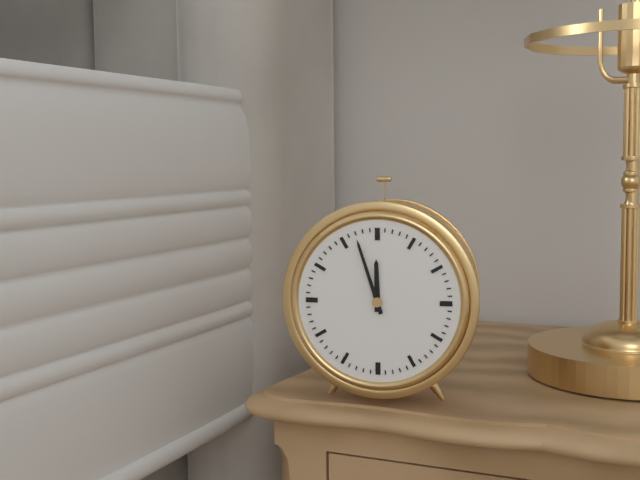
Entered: 11.57
